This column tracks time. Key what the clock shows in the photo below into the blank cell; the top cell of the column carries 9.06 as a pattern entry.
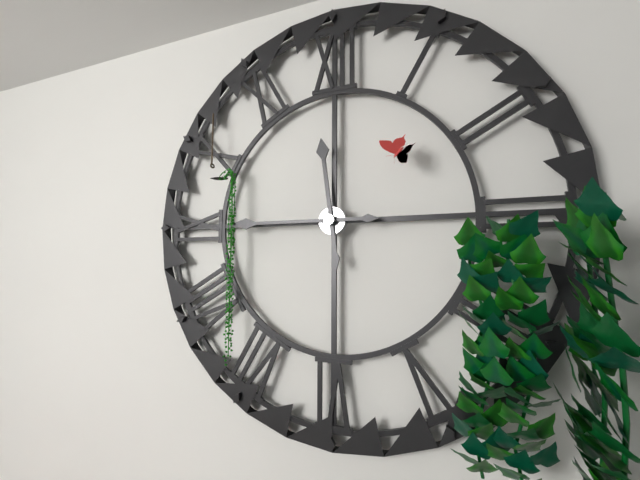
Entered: 11.45
